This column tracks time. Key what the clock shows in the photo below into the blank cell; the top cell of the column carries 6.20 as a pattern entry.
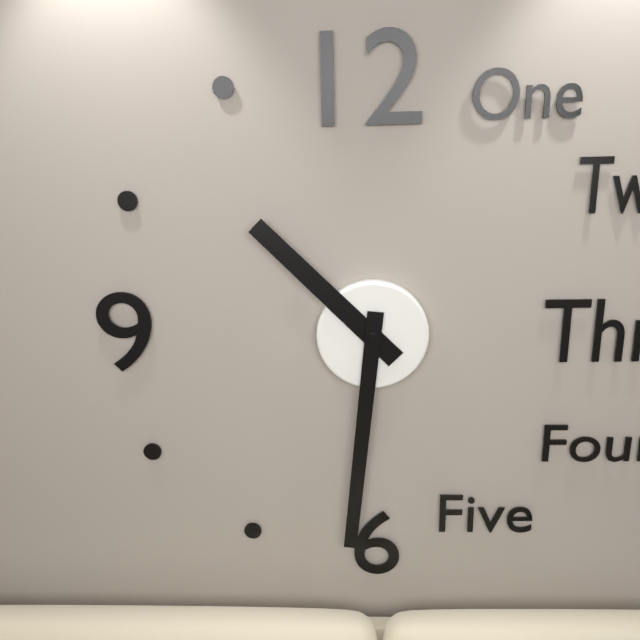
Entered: 10.31
